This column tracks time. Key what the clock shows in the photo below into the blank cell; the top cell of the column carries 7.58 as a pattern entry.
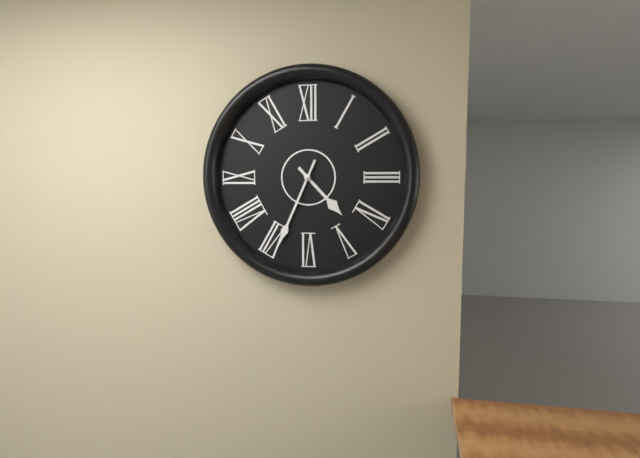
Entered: 4.34
